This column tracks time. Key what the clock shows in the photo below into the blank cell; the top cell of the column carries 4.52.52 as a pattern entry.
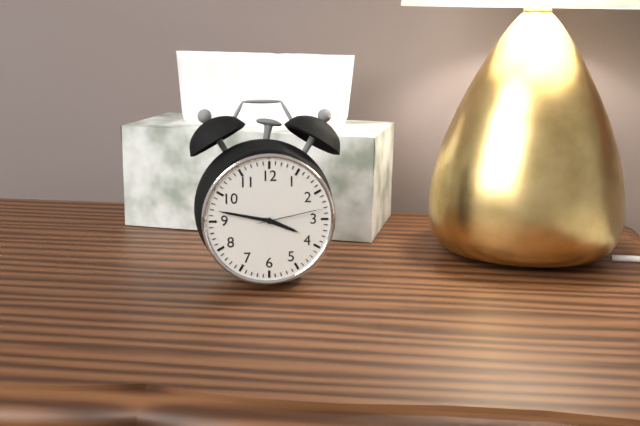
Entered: 3.47.13
